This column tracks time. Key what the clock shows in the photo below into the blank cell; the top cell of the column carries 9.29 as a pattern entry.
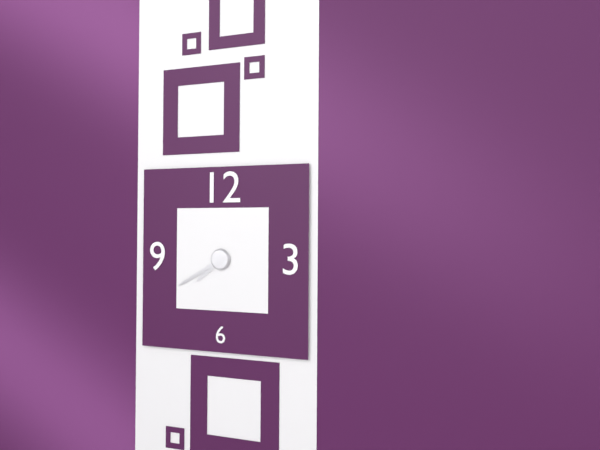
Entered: 7.40
